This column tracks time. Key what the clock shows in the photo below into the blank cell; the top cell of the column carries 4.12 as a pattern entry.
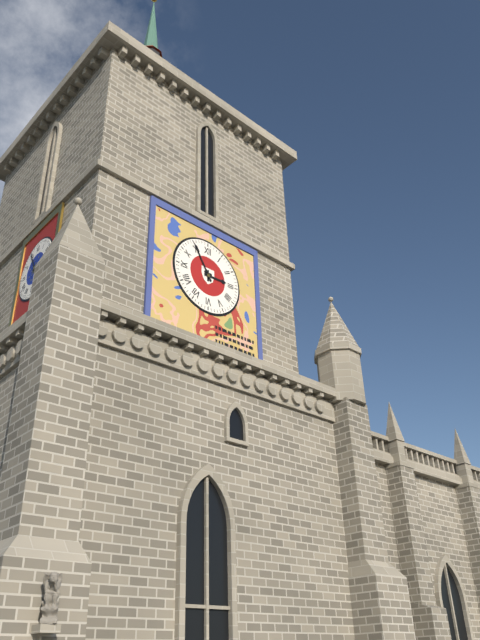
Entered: 2.55
